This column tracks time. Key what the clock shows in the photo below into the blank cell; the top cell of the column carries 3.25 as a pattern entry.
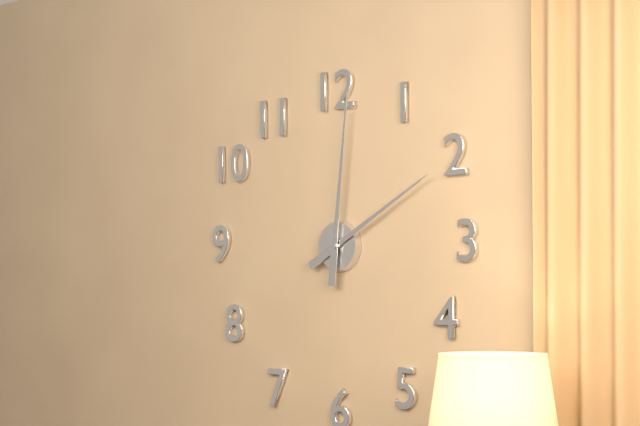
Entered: 2.01
